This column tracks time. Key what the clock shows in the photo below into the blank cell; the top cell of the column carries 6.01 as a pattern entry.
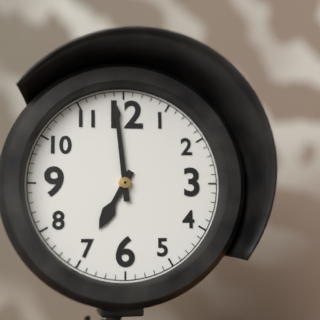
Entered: 6.59
